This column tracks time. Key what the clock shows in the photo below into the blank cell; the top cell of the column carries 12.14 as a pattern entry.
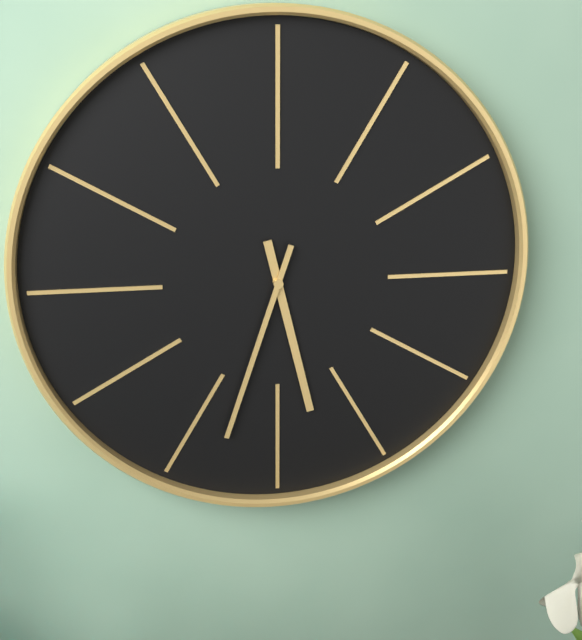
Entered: 5.33
